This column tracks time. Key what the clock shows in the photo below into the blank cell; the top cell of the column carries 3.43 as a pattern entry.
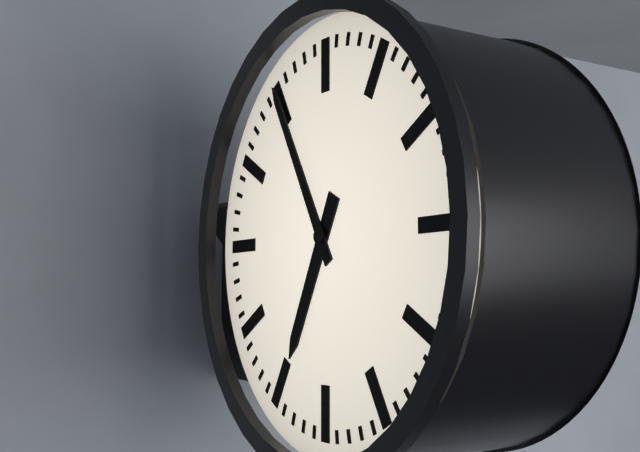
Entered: 6.55
